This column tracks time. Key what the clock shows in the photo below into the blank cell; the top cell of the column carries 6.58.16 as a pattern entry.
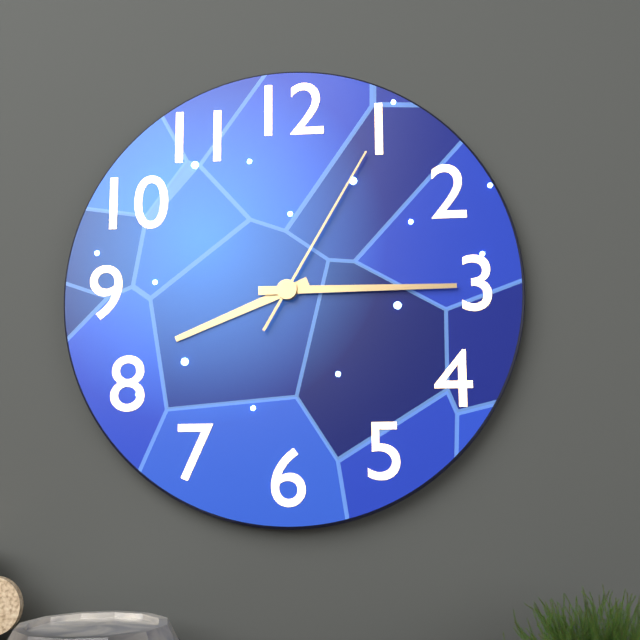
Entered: 8.15.05
